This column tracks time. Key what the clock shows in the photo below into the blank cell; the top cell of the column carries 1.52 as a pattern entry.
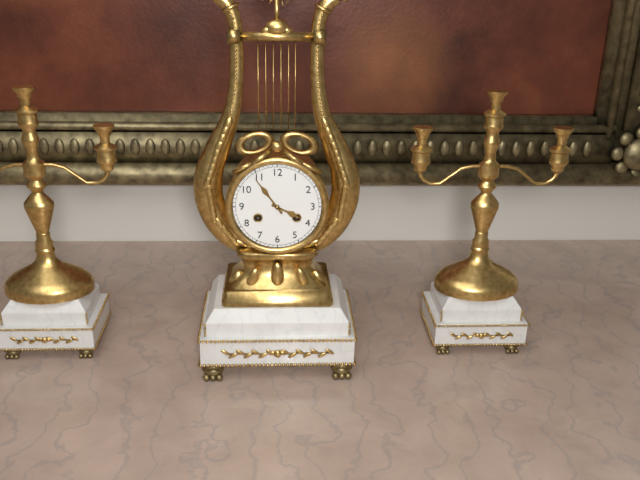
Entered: 3.54
